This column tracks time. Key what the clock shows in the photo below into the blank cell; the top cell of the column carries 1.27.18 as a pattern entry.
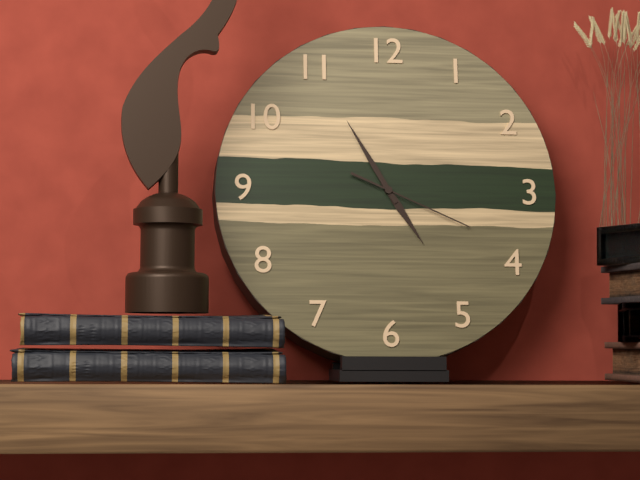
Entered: 4.55.19
